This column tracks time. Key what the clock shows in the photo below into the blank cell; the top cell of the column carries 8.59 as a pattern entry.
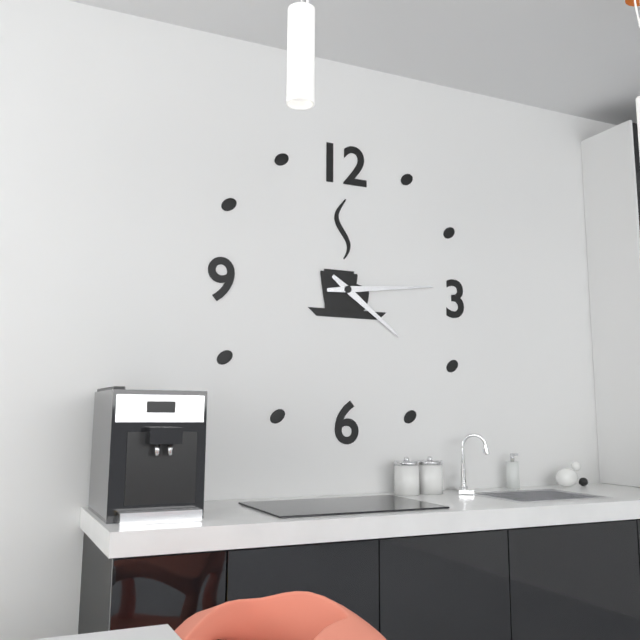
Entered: 4.14
